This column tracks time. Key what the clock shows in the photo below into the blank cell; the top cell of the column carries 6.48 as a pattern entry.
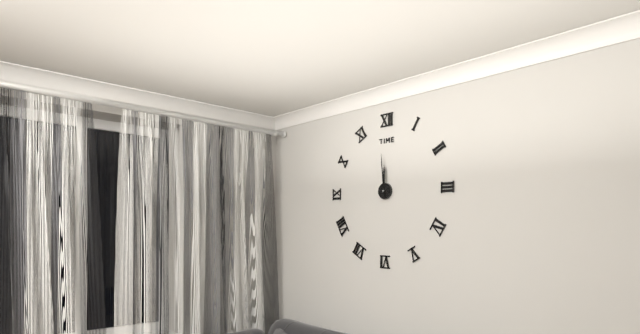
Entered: 11.59
